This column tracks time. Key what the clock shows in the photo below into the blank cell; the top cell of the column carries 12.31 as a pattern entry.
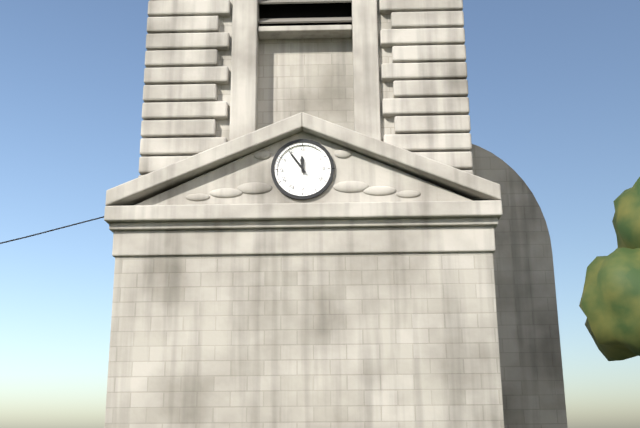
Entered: 11.54
